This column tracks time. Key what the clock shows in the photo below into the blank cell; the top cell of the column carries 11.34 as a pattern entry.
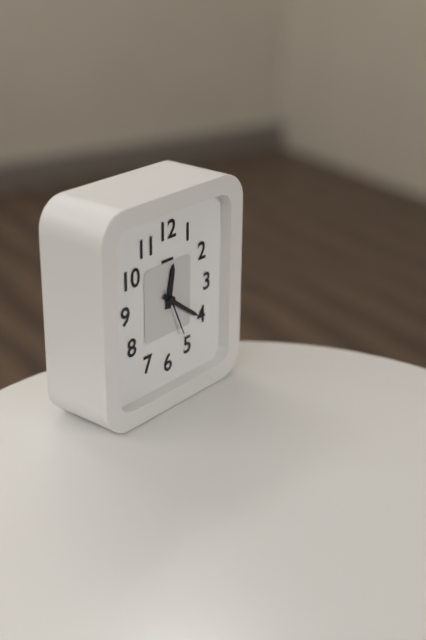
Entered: 12.21
